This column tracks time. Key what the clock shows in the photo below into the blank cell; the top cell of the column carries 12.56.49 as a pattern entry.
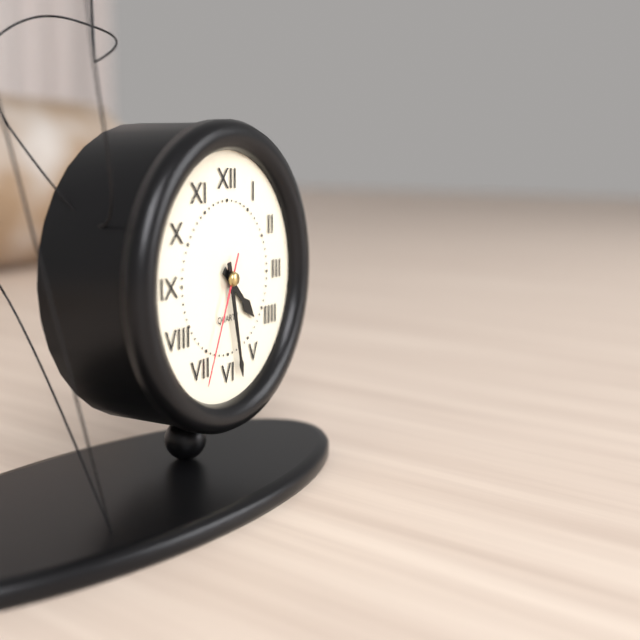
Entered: 4.28.34
